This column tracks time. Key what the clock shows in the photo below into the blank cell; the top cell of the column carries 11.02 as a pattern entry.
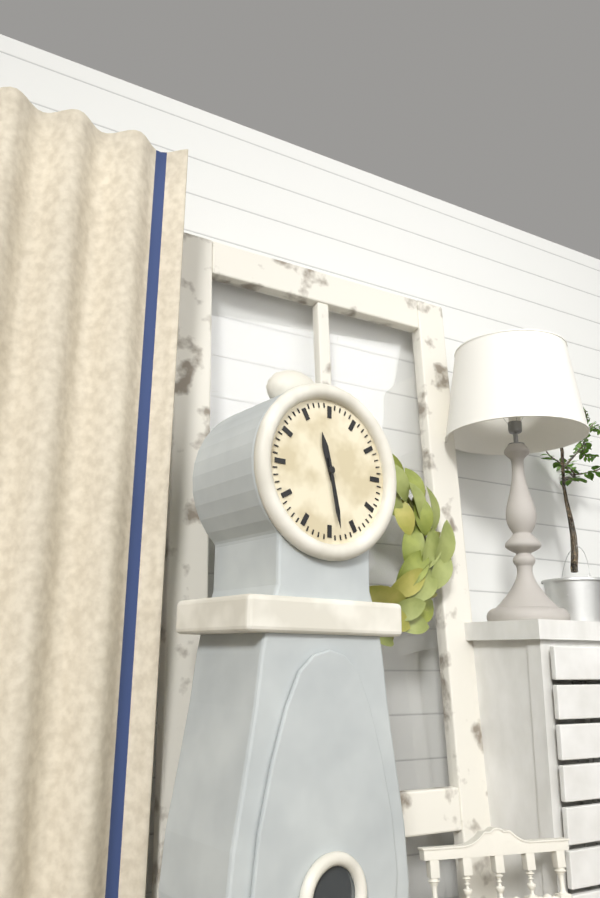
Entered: 11.28
